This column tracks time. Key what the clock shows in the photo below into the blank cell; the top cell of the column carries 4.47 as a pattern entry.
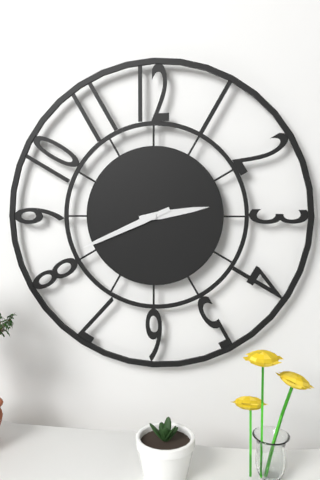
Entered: 2.41
